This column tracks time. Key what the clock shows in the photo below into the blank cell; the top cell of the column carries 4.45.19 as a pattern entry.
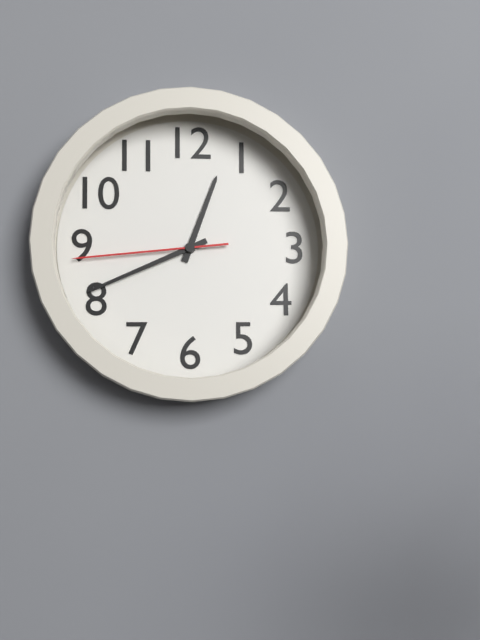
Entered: 12.41.44
